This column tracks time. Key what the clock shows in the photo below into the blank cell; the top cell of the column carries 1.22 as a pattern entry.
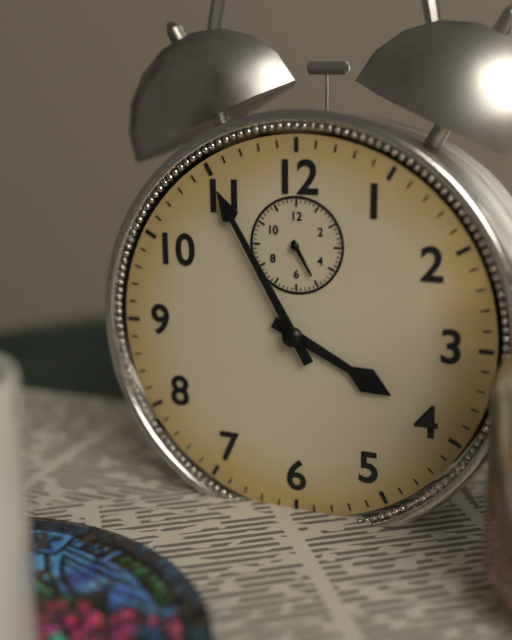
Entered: 3.55
